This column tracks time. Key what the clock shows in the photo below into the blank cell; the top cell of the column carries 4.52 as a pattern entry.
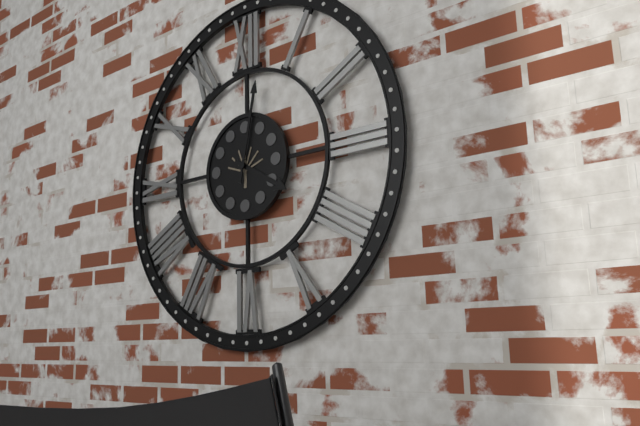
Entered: 4.02
